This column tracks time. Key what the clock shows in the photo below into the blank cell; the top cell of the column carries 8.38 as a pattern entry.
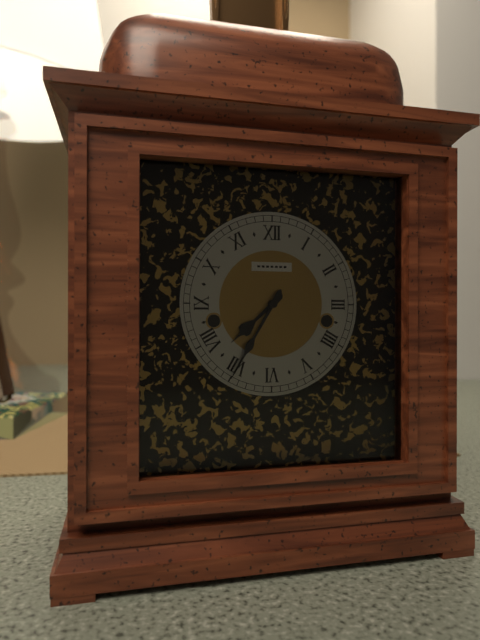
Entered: 7.35
